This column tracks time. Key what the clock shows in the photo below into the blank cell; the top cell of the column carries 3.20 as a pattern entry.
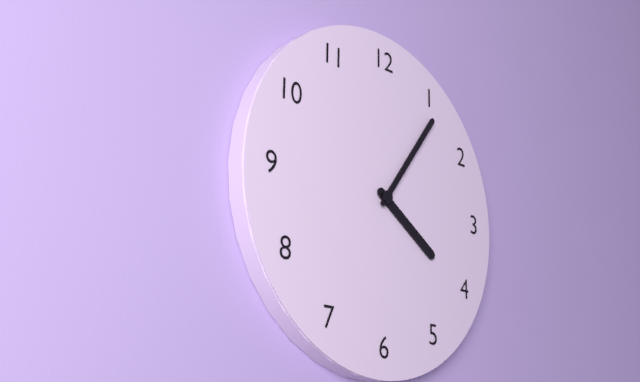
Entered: 4.06
